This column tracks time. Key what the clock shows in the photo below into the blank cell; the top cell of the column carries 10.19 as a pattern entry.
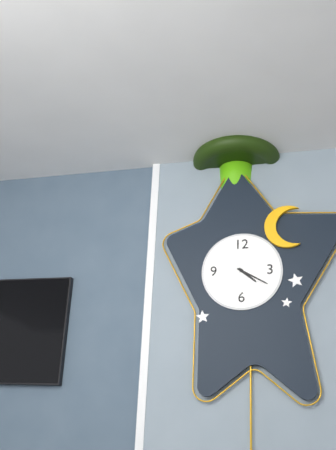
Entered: 4.20
